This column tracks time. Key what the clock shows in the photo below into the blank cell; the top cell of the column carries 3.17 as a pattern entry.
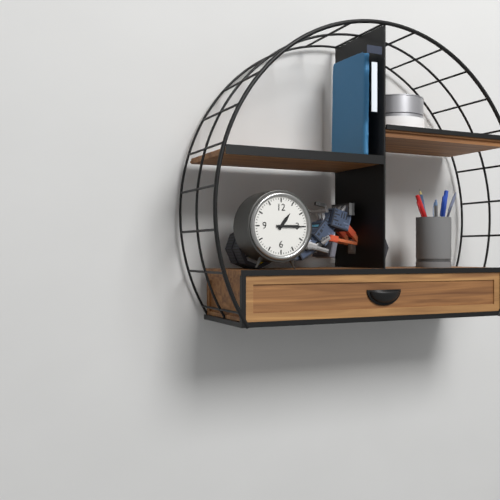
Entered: 1.15
